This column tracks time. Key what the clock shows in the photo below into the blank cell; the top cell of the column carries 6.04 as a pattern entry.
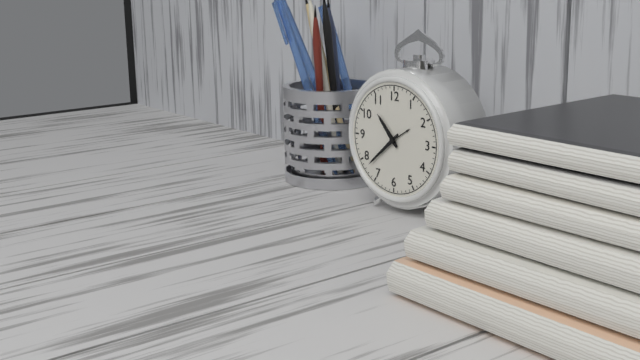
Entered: 10.38
